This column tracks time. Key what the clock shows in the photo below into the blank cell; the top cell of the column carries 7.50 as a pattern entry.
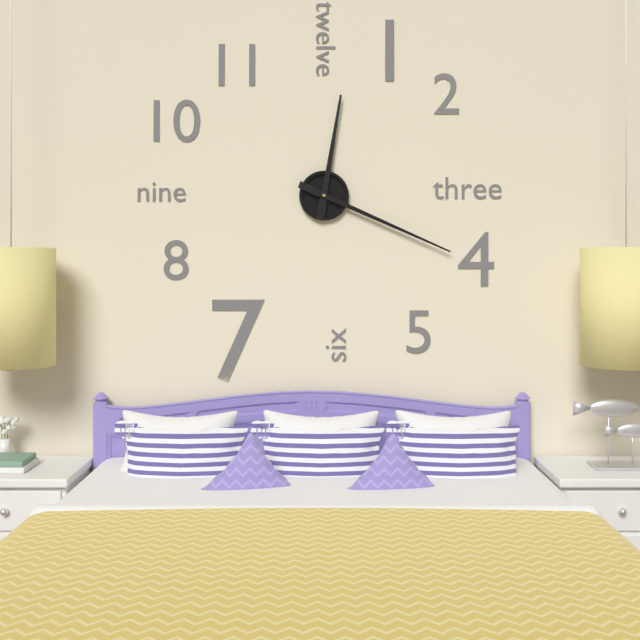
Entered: 12.19
